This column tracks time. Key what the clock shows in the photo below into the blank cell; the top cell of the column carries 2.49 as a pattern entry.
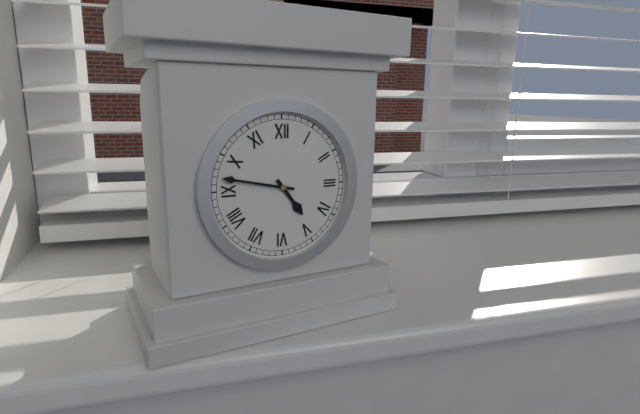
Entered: 4.47
